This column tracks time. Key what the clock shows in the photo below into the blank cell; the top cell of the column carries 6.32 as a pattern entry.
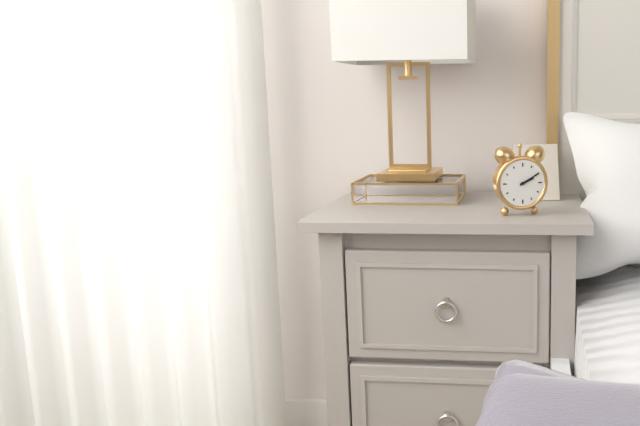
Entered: 2.10
